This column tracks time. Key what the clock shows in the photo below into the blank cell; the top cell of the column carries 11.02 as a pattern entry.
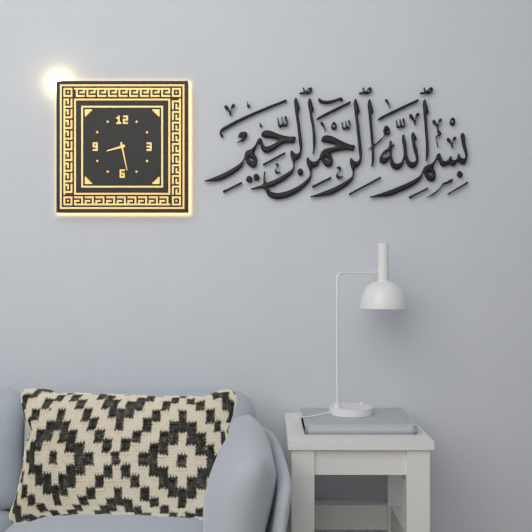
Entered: 8.28
